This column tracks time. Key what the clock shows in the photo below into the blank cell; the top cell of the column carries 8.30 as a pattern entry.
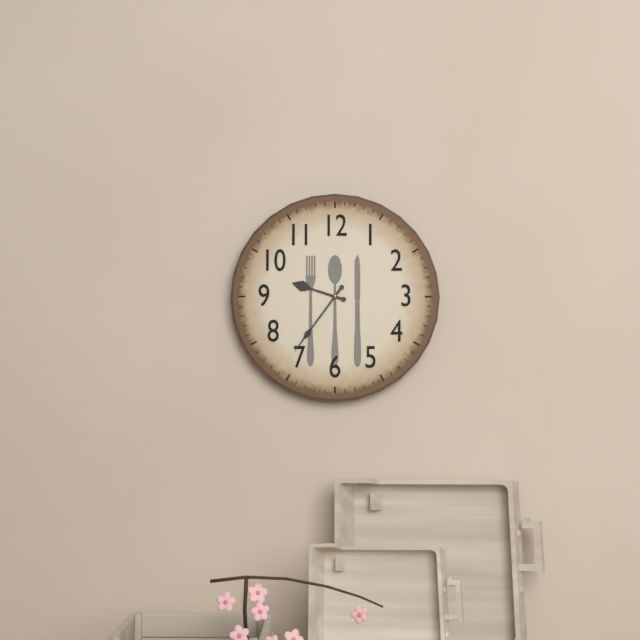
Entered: 9.36
